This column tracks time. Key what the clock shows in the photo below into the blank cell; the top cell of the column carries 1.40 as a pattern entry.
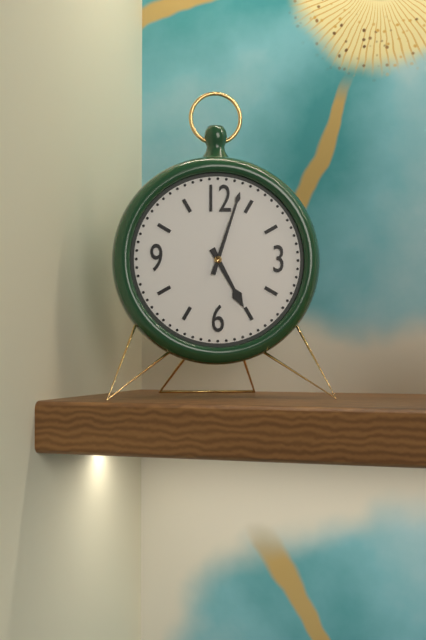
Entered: 5.03
